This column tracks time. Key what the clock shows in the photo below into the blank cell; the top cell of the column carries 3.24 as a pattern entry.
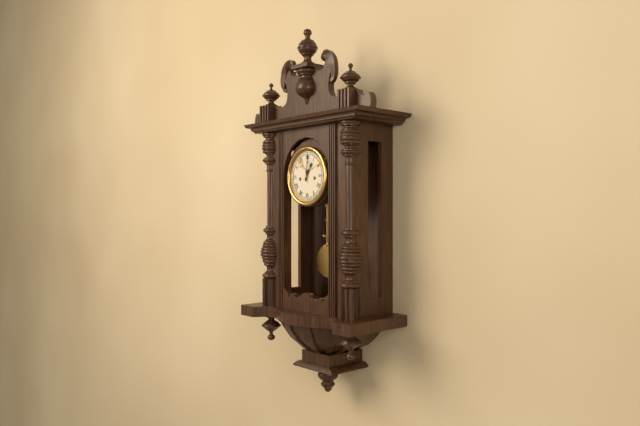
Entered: 1.01
